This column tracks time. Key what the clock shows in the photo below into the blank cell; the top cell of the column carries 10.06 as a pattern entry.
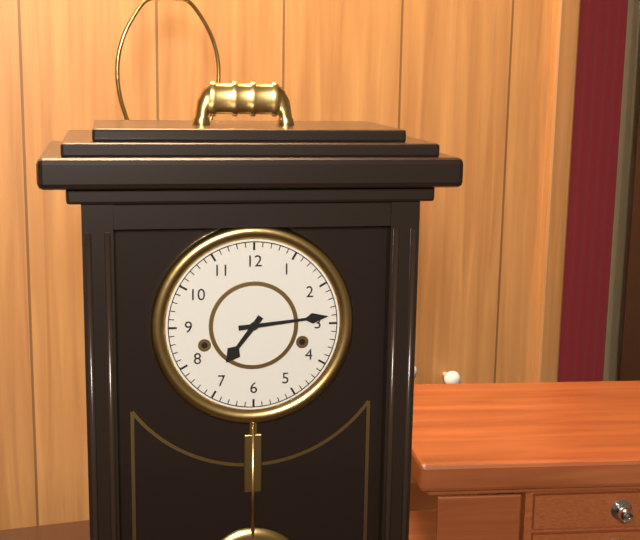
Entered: 7.14
